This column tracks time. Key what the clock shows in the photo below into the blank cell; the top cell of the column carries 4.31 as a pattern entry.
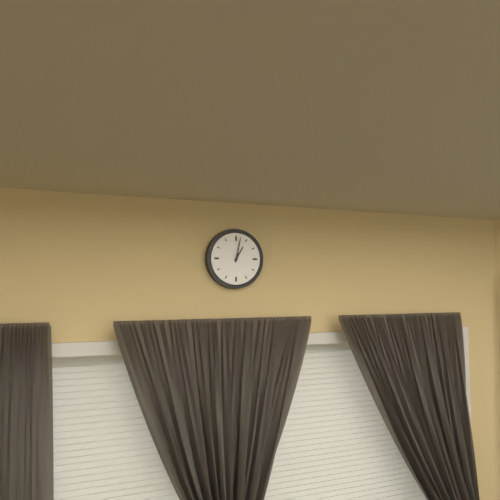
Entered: 1.02
